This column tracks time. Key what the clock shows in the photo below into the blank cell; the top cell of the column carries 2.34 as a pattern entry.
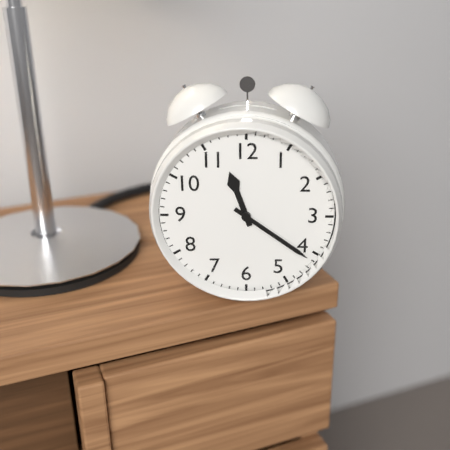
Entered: 11.21
